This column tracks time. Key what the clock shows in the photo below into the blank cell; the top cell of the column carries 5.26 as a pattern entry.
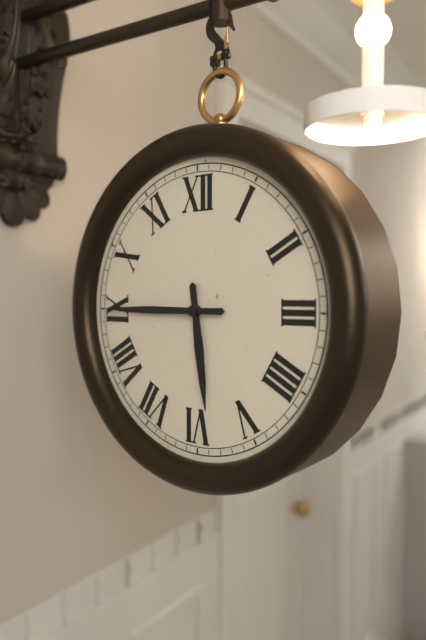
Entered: 5.45
